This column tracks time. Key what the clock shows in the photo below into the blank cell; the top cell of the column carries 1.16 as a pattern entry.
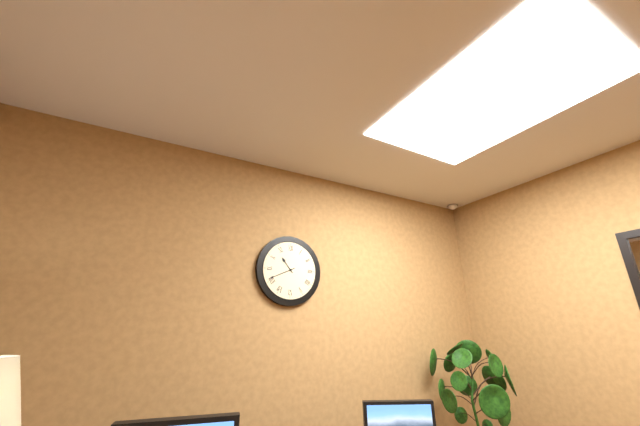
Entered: 10.41
